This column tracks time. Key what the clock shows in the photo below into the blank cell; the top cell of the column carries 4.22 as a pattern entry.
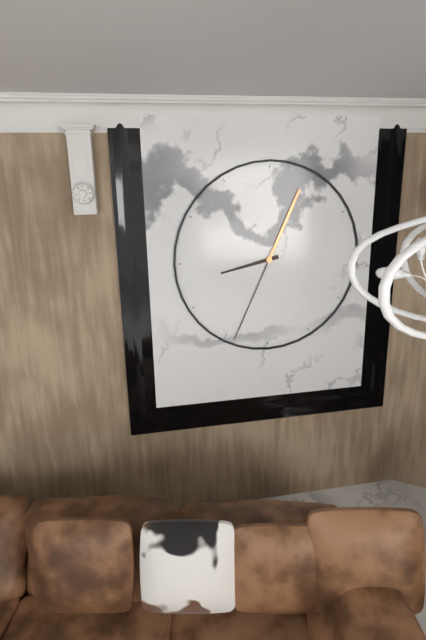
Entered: 8.34
